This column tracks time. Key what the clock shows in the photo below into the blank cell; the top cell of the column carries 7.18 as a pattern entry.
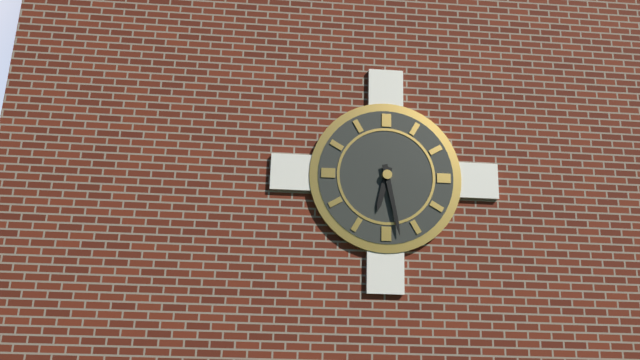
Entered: 6.28
